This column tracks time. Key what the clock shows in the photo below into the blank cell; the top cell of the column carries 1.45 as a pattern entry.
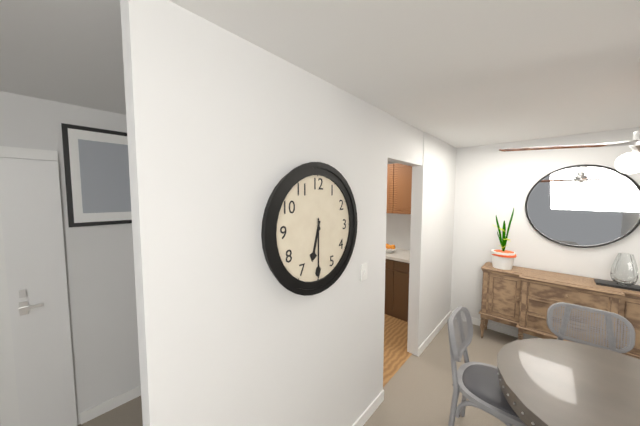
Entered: 6.30
